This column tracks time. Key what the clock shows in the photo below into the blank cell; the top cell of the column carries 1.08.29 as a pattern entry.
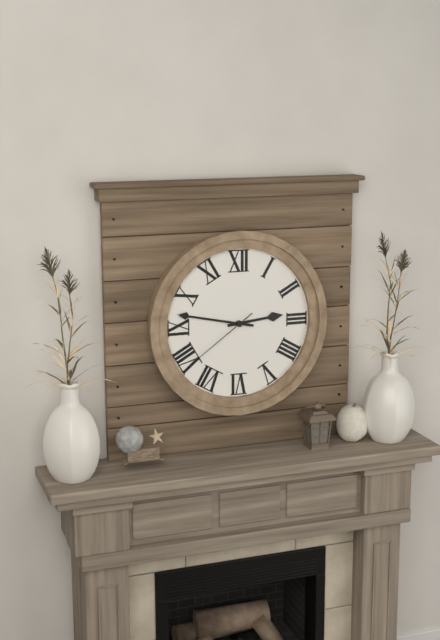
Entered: 2.47.39
